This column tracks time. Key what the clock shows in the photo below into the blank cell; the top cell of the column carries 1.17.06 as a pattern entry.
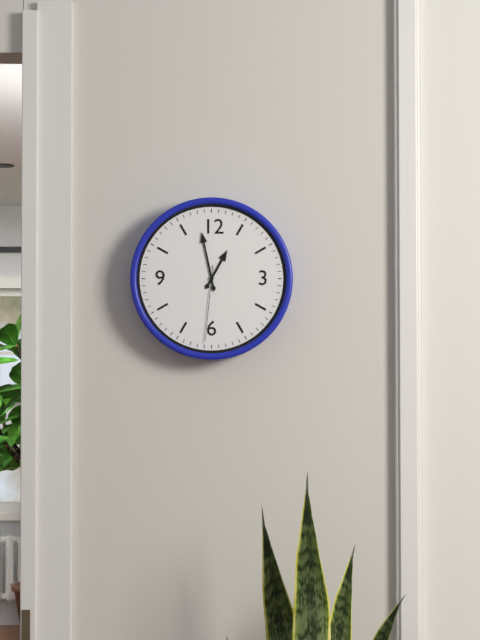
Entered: 12.58.31
